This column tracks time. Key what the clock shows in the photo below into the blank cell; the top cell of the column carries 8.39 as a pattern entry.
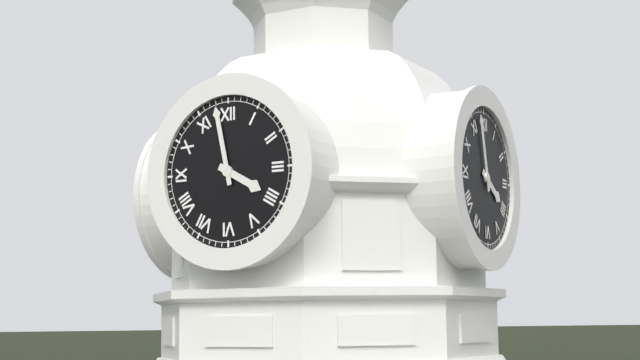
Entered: 3.58
